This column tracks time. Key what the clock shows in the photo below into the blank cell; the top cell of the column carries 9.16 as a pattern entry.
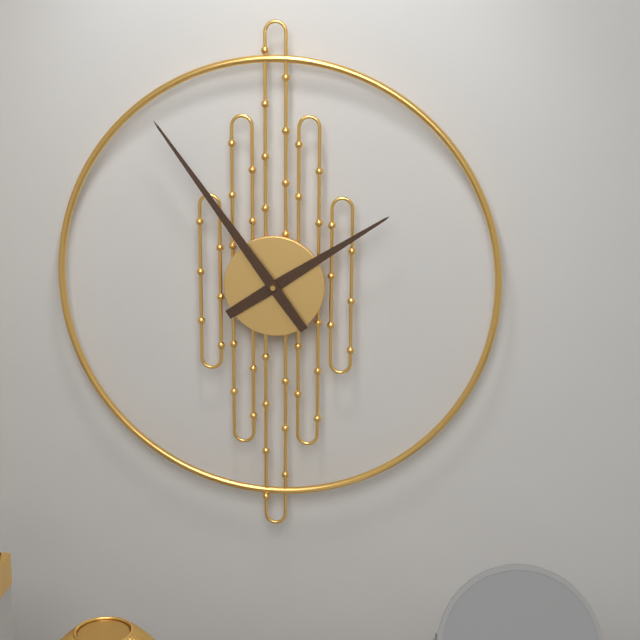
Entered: 1.54
